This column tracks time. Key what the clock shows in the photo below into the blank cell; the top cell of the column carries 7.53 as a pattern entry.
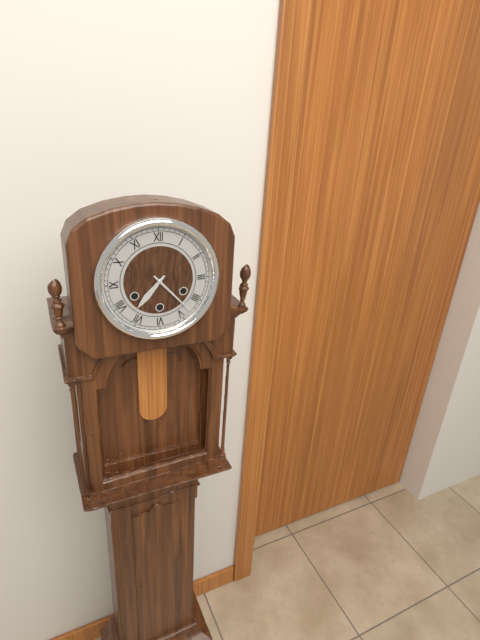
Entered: 7.23
